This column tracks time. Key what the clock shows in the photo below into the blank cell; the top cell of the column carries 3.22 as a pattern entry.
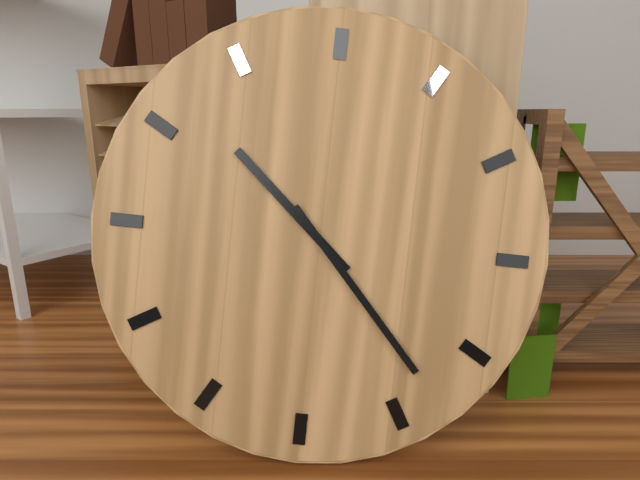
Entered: 10.23
